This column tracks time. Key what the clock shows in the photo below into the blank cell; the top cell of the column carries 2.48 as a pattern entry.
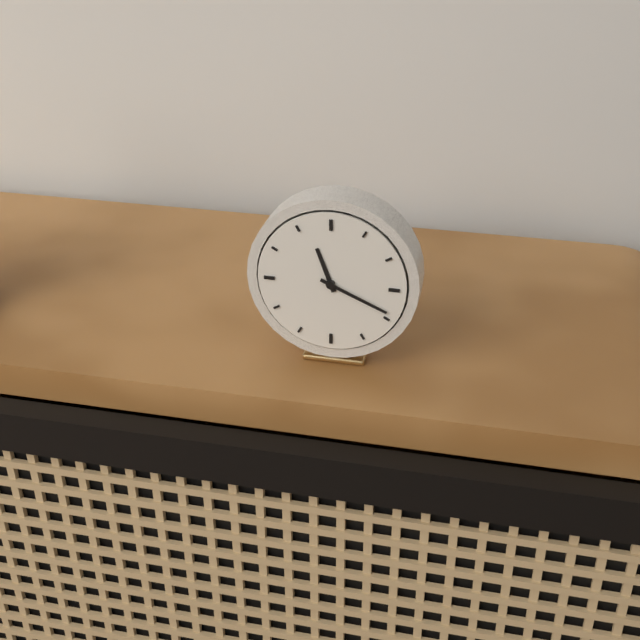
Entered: 11.19
